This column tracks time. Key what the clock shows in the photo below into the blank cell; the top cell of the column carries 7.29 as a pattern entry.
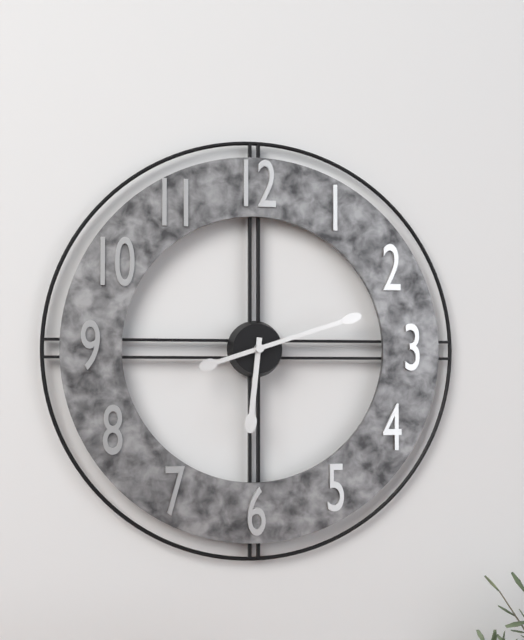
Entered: 6.12
